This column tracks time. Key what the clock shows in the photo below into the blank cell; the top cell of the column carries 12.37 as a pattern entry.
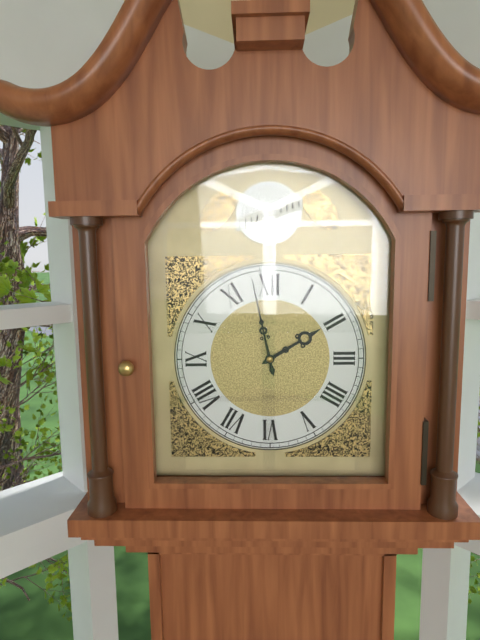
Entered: 1.58
